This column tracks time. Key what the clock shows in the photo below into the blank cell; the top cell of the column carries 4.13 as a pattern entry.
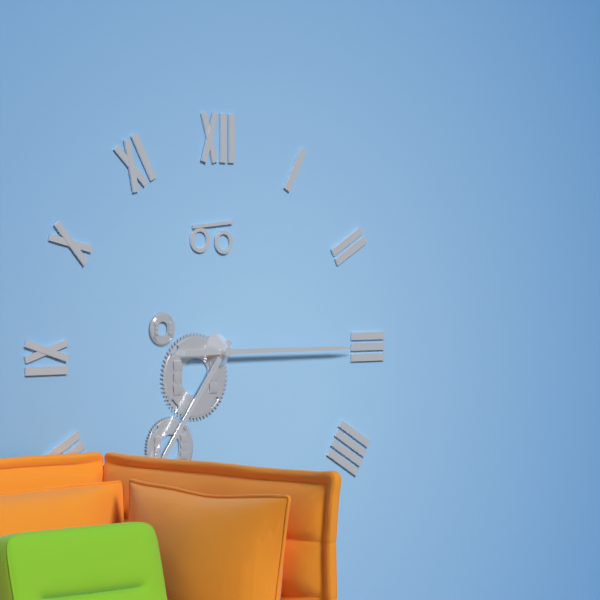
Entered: 7.15
